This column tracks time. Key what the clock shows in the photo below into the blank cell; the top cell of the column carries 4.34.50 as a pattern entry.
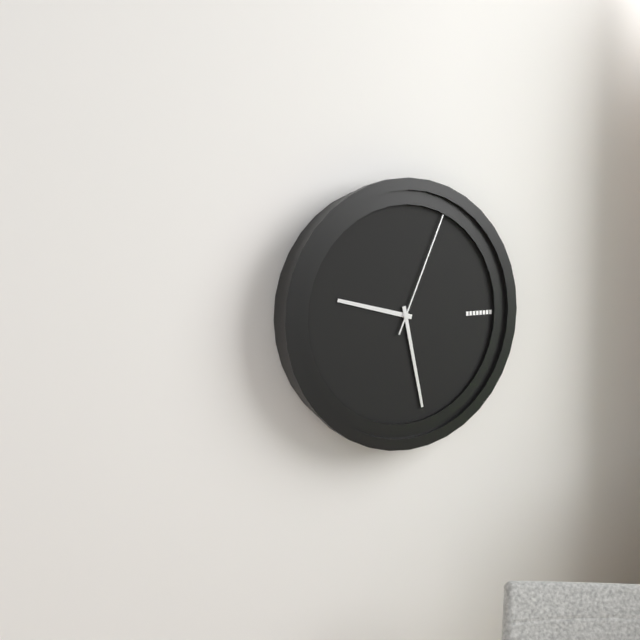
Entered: 9.28.04
